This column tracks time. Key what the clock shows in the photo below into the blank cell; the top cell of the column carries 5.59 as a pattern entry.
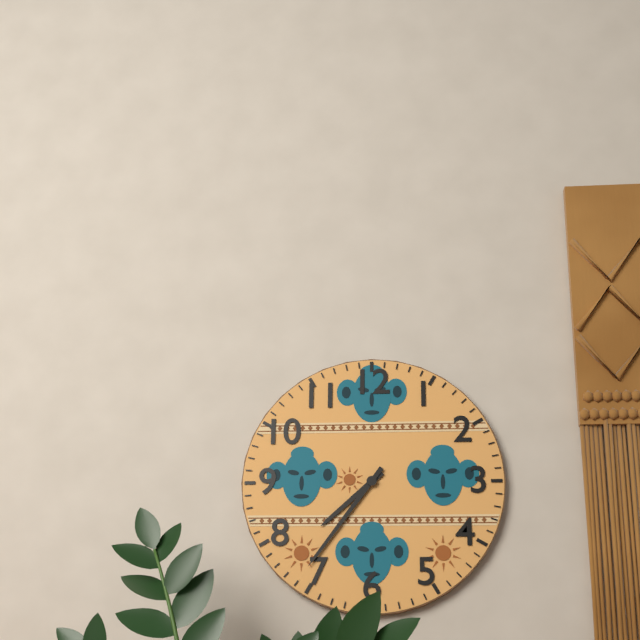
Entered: 7.36
